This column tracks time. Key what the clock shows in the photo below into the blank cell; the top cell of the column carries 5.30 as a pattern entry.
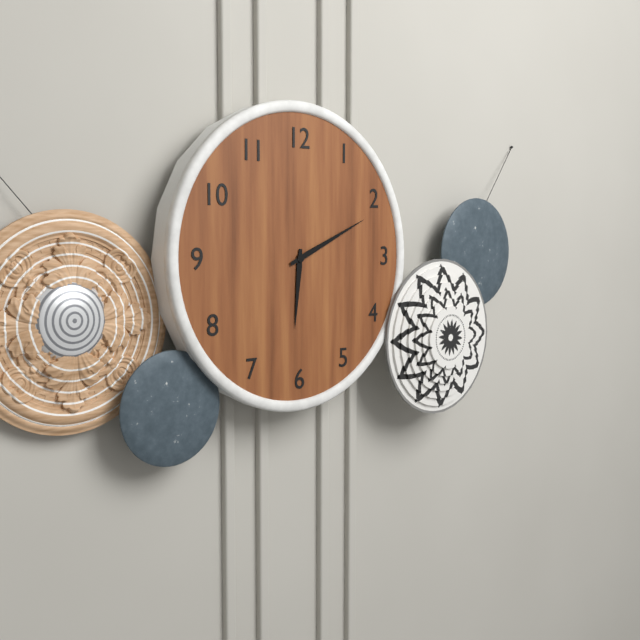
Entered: 6.11
